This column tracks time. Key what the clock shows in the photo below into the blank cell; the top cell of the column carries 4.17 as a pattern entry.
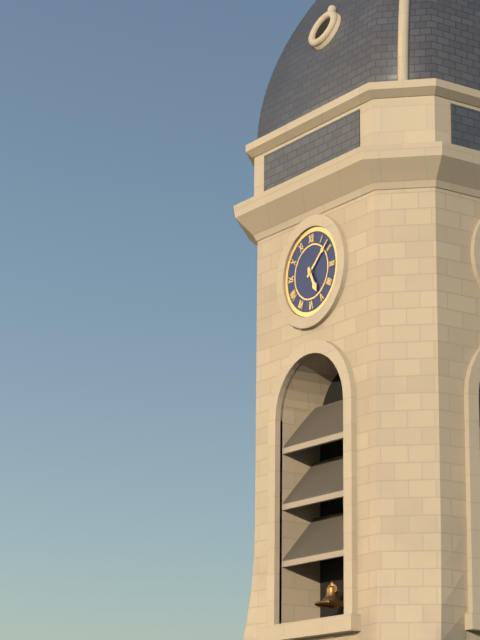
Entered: 5.08
